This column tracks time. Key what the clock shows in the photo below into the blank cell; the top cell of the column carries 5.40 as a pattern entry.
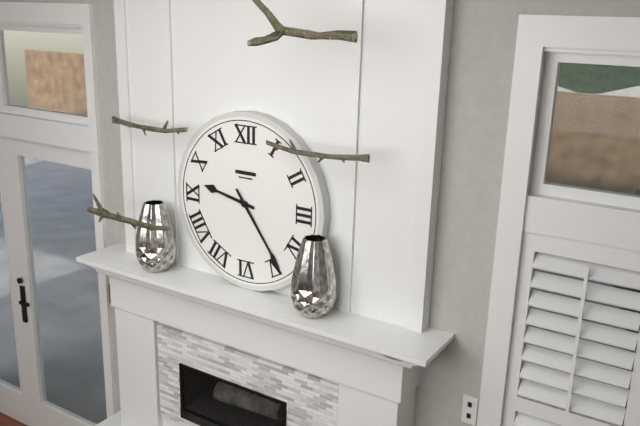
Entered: 9.24
